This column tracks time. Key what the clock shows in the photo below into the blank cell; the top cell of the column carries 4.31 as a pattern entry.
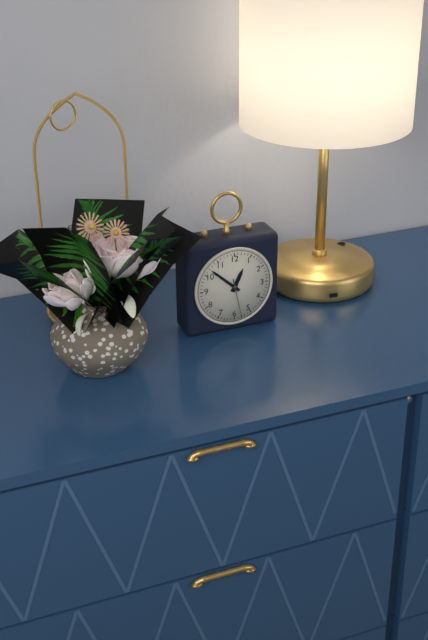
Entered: 12.52
